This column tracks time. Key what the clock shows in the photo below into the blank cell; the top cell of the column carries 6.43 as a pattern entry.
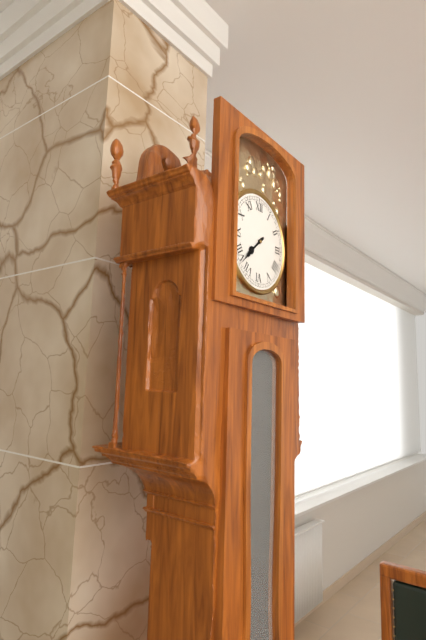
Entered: 7.38
